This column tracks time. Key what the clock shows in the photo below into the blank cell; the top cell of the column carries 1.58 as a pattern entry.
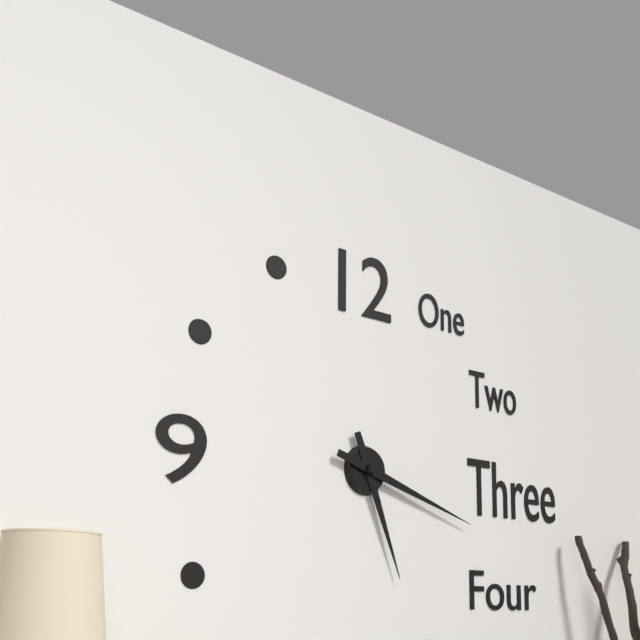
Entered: 5.18
